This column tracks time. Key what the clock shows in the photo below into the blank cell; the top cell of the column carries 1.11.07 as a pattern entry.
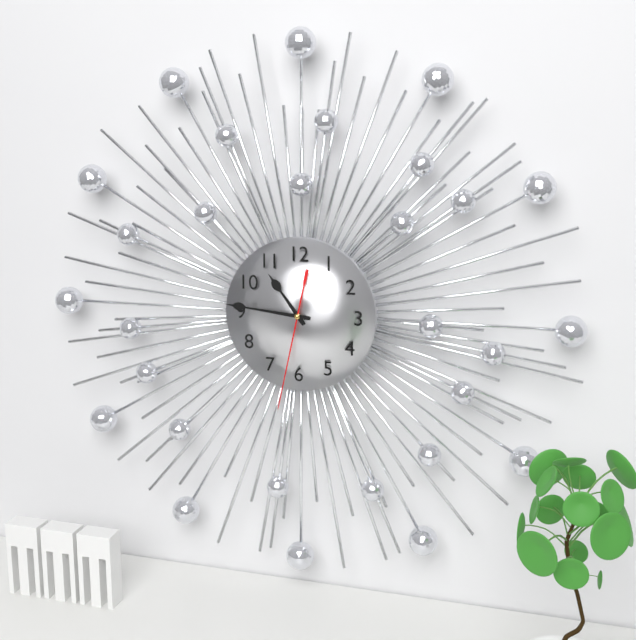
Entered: 10.46.32
